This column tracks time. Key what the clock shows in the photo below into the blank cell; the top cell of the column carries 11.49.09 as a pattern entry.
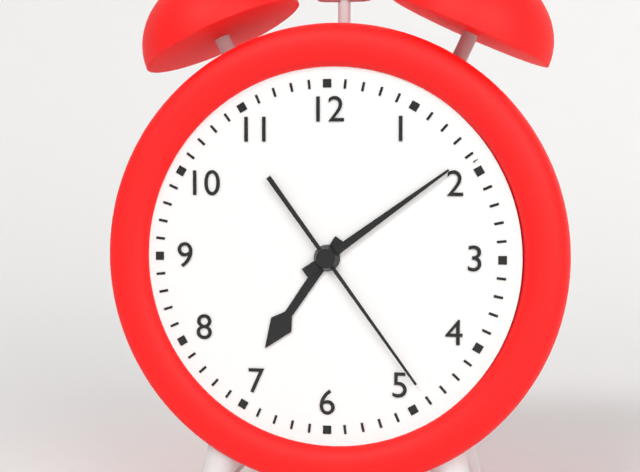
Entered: 7.09.24
